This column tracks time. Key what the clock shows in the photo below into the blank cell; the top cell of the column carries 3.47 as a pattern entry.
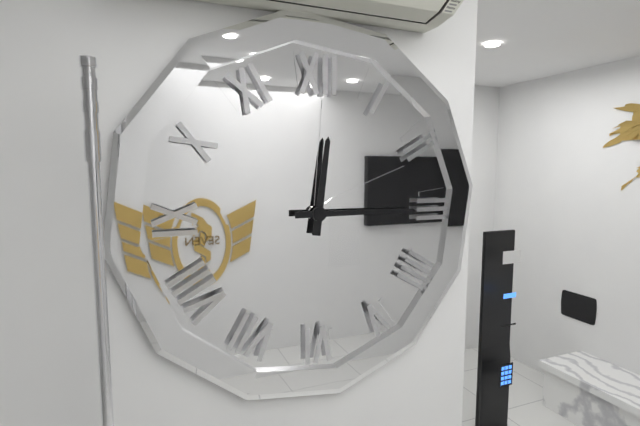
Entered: 12.15
